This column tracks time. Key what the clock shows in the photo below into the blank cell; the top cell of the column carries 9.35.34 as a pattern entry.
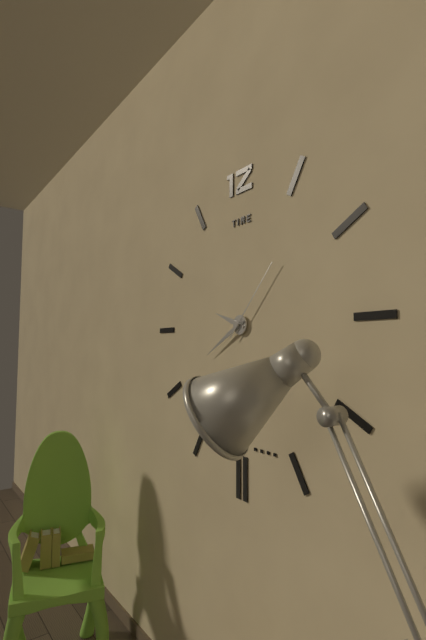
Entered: 9.40.07
